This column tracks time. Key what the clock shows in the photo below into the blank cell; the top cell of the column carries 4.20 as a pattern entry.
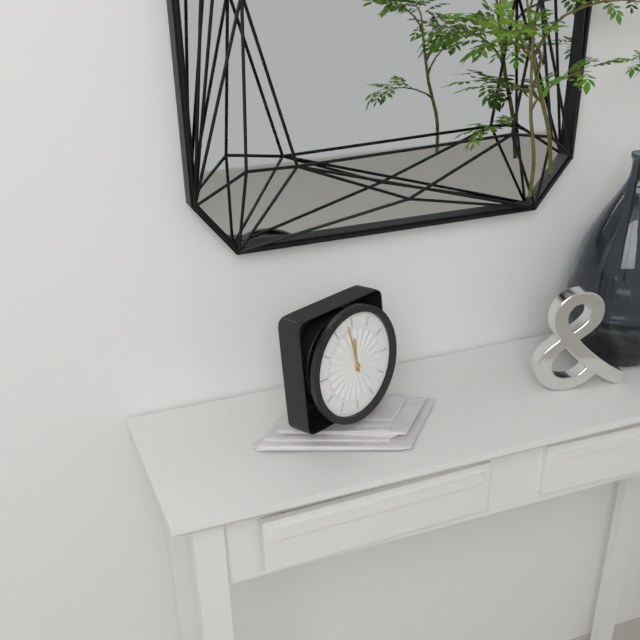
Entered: 11.58
